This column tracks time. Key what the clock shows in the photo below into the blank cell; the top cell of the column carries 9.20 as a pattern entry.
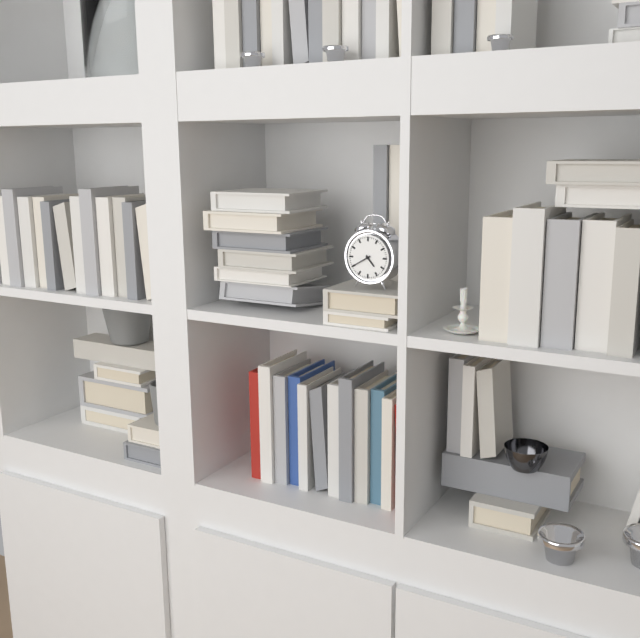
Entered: 4.40
